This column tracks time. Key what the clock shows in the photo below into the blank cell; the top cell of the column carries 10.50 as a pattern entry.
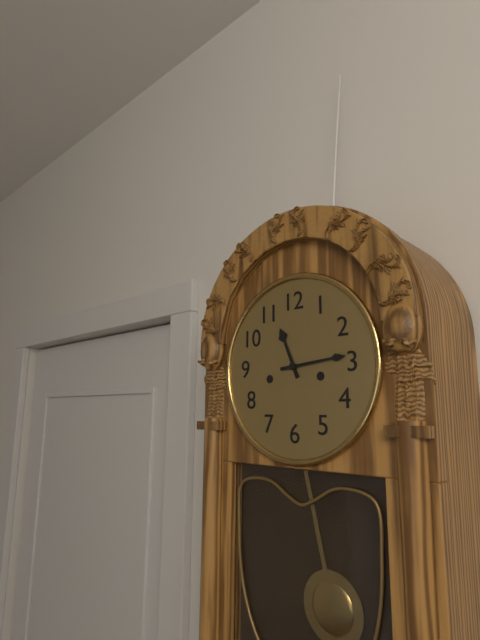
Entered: 11.14
